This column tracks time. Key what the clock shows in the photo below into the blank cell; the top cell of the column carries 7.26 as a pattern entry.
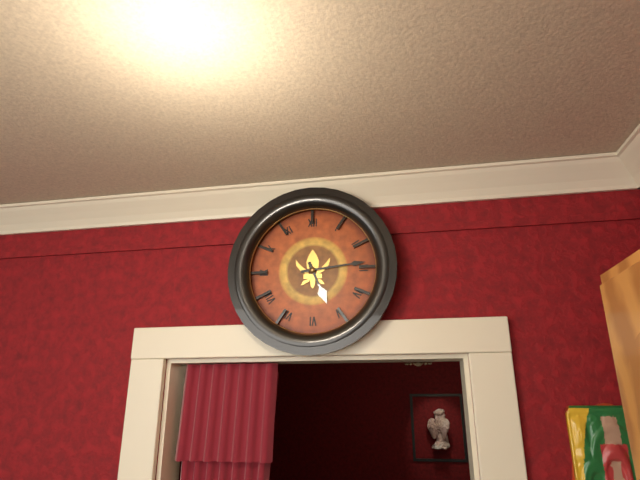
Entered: 5.14
